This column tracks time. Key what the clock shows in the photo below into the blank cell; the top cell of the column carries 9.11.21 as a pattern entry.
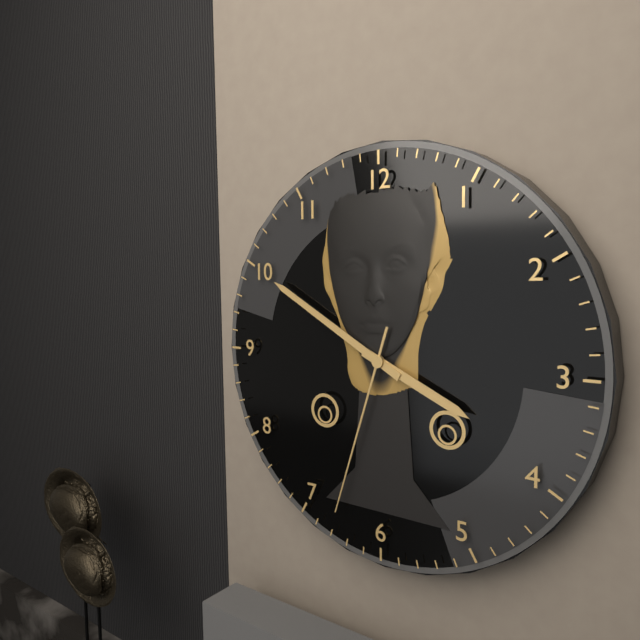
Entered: 3.50.33
